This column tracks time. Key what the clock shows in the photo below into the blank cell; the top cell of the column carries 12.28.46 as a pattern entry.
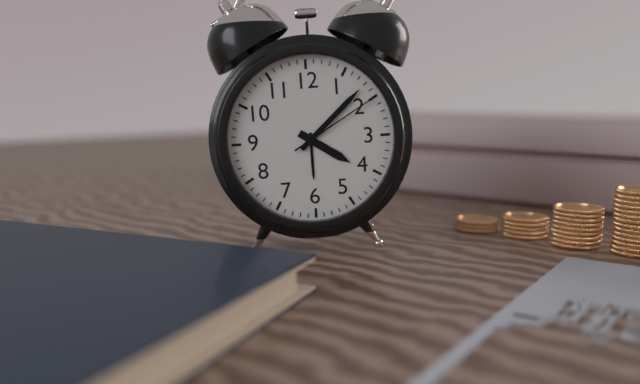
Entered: 4.08.10
